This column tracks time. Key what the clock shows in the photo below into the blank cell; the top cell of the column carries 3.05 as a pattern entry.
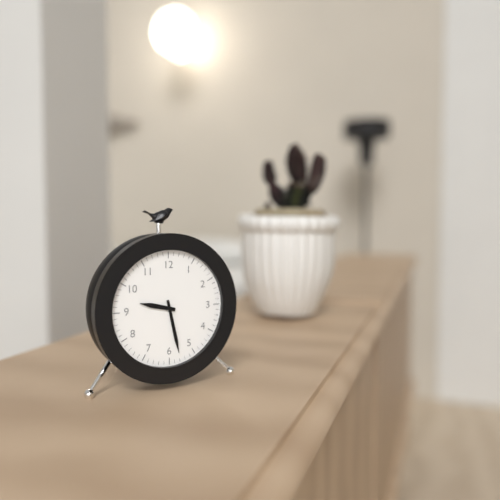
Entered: 9.28
